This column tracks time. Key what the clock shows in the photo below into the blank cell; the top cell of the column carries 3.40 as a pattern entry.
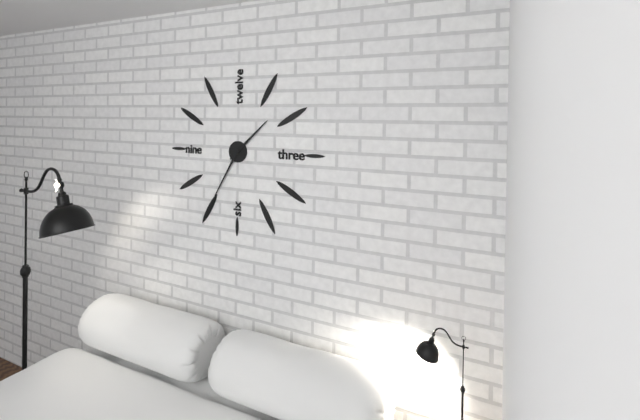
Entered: 1.35
